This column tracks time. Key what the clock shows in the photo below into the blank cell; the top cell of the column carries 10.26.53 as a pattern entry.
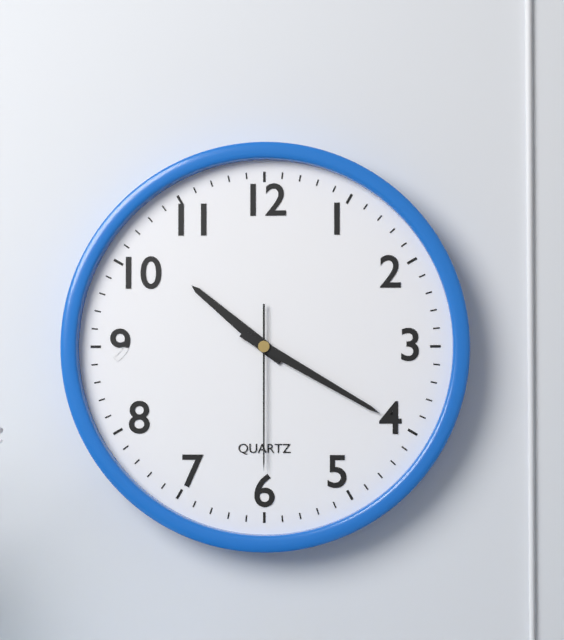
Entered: 10.20.30
